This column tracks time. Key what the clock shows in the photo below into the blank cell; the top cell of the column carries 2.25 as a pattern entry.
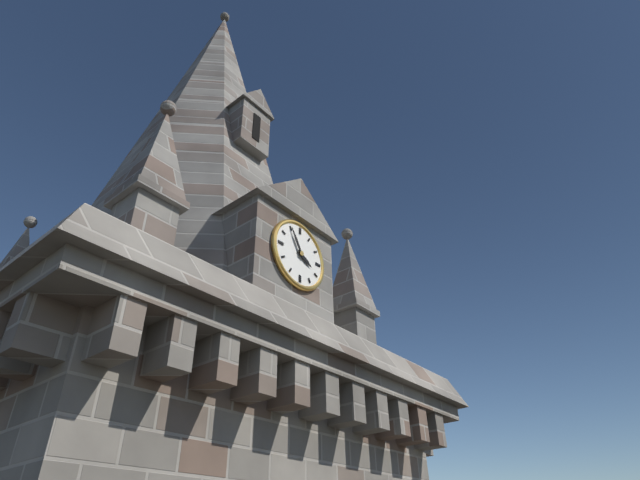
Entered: 3.55
